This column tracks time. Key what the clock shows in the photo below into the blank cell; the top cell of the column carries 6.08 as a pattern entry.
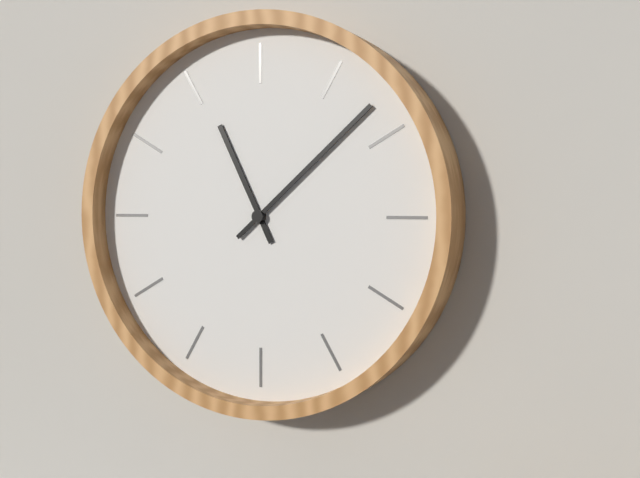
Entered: 11.08
